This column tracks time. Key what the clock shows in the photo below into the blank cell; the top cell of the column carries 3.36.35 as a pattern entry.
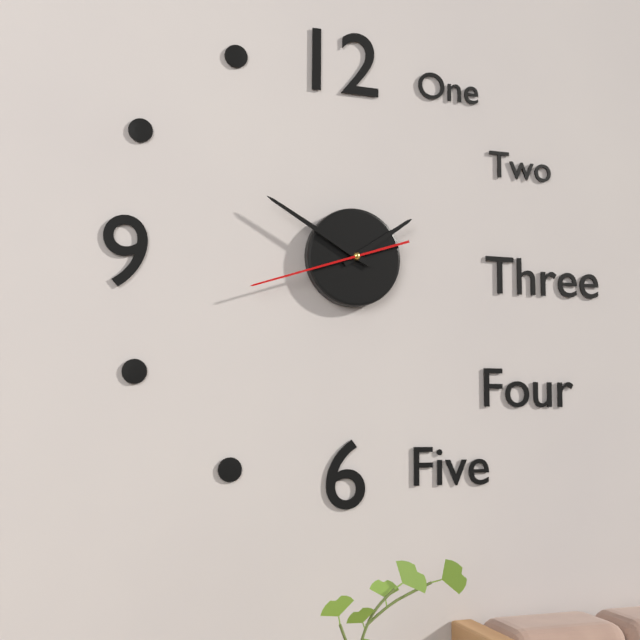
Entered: 1.50.42
